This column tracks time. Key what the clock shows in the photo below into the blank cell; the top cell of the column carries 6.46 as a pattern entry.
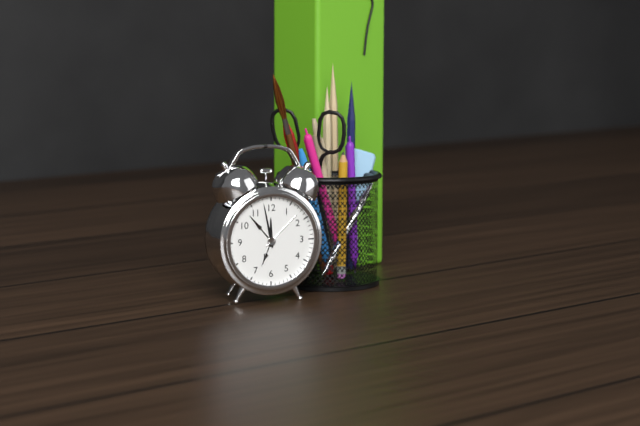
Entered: 11.58
